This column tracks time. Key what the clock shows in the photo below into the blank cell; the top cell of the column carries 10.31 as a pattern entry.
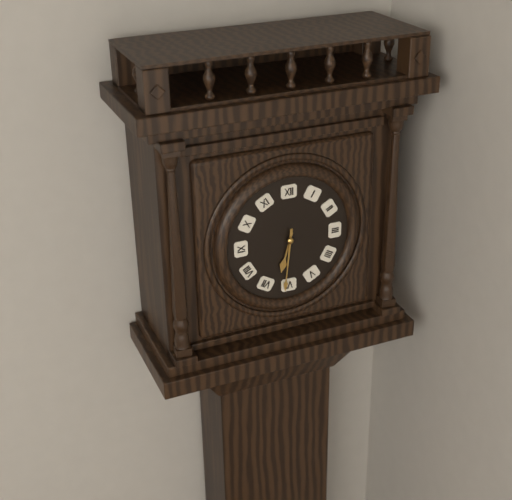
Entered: 6.31
